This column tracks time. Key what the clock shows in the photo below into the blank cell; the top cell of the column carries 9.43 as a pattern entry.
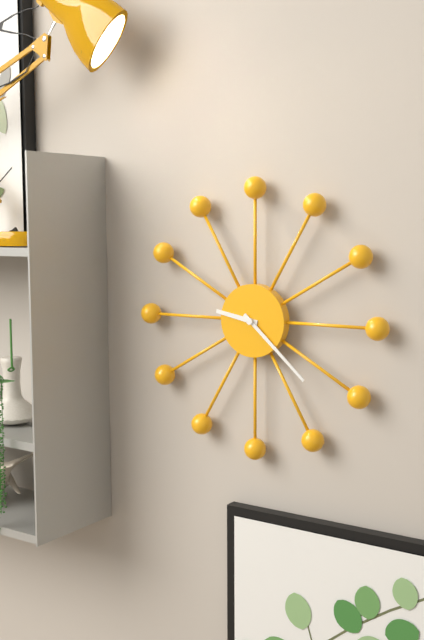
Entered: 9.22
